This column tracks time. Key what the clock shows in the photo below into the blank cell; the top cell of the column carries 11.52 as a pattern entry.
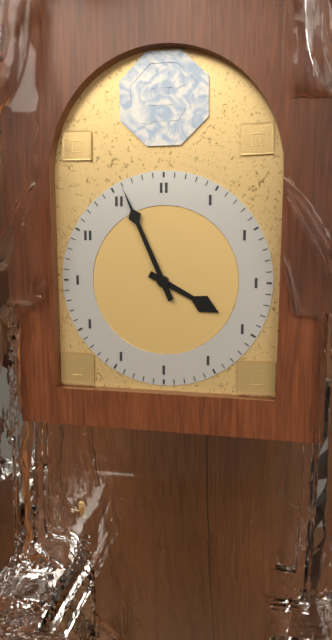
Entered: 3.56
